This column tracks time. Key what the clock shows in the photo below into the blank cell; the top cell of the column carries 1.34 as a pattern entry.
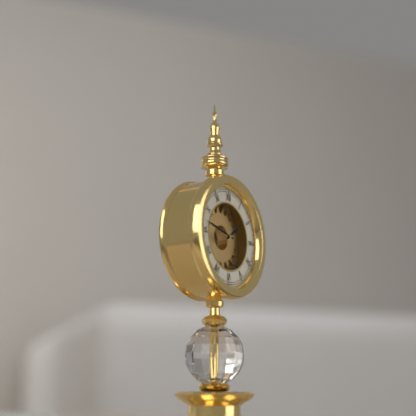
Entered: 1.47
